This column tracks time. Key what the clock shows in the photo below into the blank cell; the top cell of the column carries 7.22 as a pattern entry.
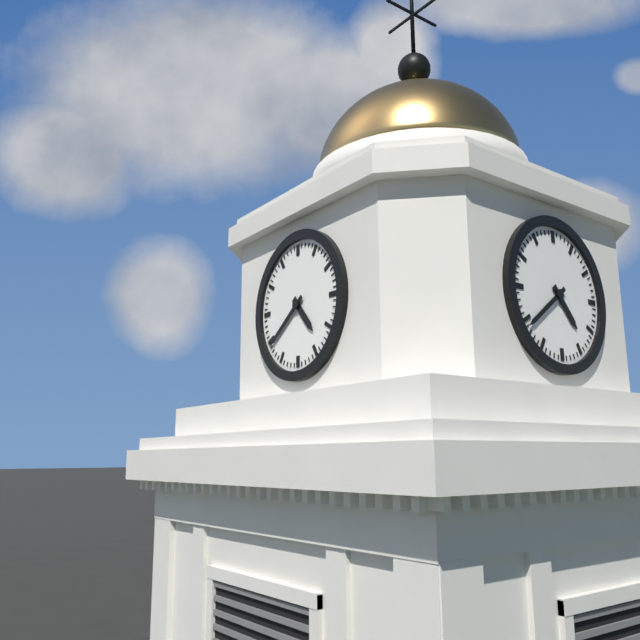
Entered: 4.39
